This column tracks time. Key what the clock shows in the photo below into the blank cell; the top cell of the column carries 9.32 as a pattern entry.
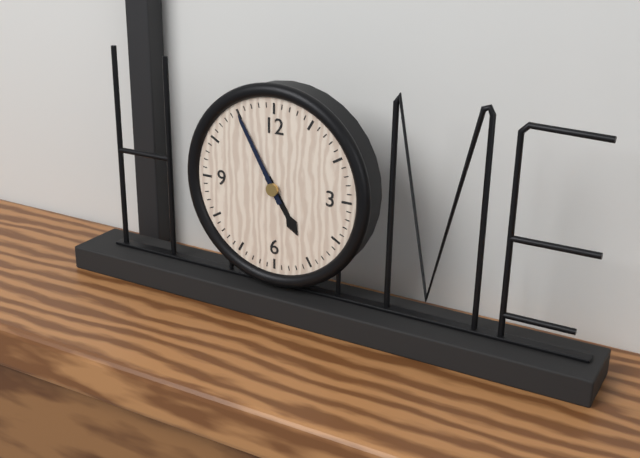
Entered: 4.55
